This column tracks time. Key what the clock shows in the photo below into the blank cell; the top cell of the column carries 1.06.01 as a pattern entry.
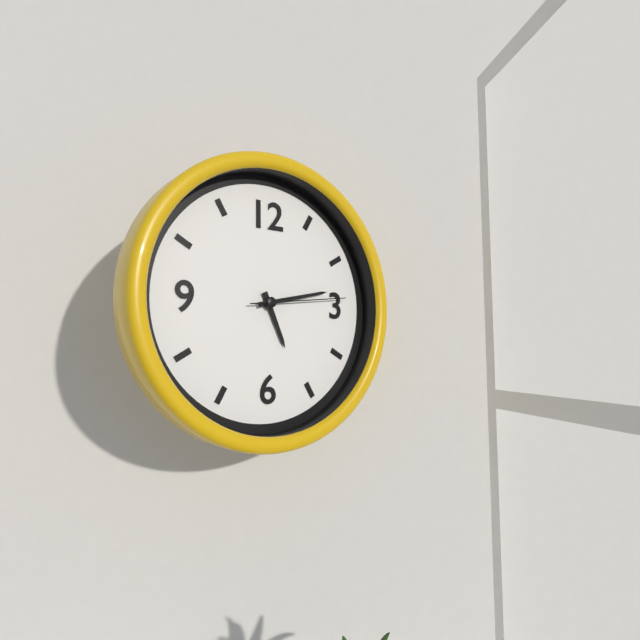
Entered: 5.13.14
